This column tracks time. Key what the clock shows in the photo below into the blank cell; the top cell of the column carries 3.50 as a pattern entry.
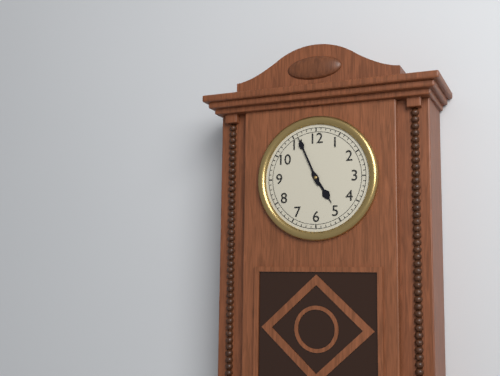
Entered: 4.56
